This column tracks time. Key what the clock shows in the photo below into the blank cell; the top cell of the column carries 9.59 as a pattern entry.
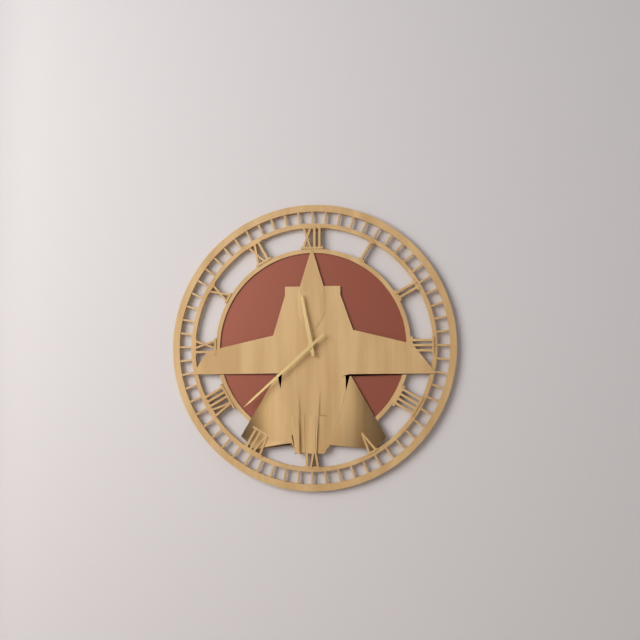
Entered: 11.38
